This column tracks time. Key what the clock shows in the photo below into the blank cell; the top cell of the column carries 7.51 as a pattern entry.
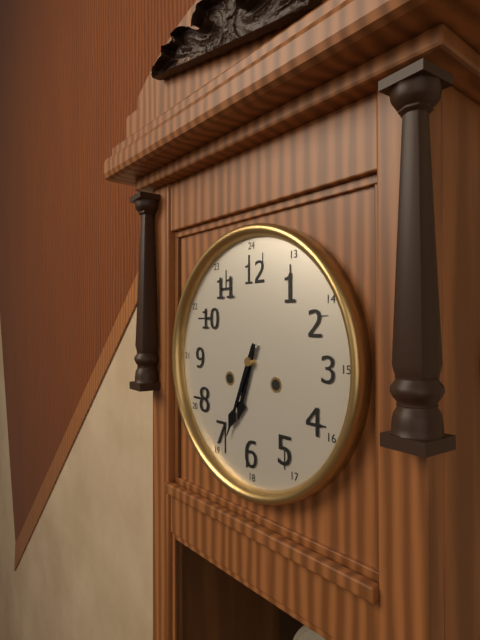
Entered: 6.34
